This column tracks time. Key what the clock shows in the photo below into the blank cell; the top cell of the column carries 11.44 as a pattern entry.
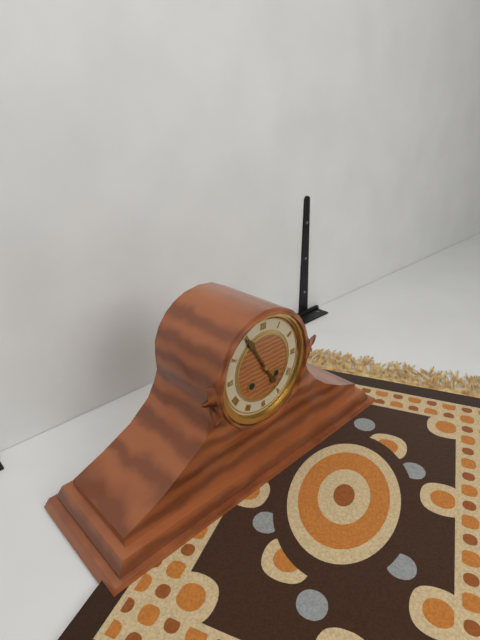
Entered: 4.55
